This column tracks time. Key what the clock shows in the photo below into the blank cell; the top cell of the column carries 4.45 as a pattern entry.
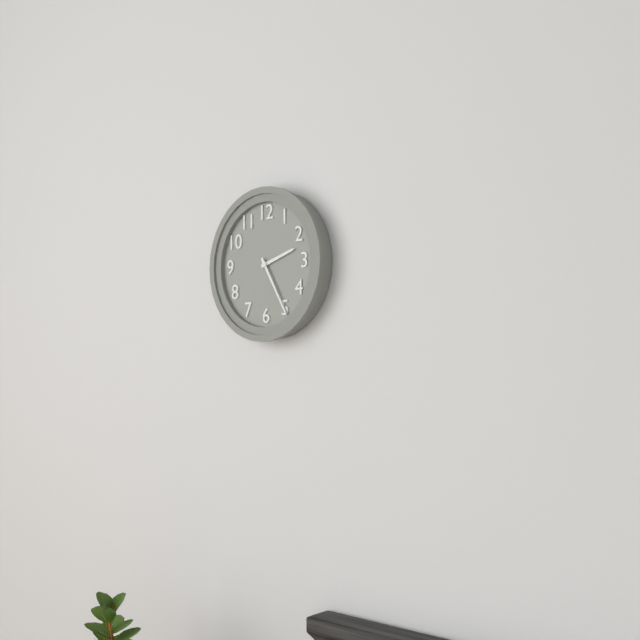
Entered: 2.25
